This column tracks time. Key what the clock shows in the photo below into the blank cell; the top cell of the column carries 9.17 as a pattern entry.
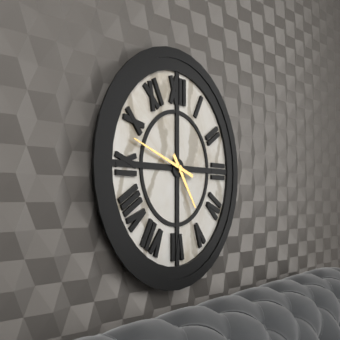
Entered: 4.48
